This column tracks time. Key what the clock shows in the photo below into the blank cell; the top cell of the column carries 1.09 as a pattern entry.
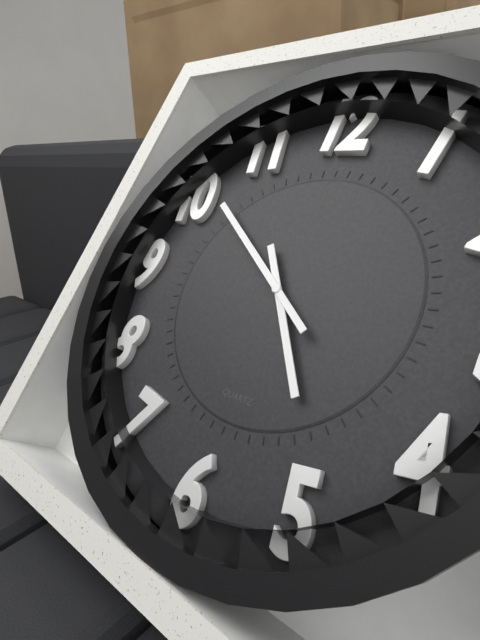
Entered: 4.51
